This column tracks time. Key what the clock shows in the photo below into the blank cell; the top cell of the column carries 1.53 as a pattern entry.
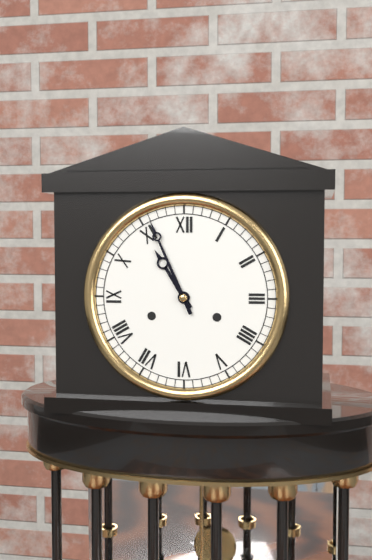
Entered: 10.56
